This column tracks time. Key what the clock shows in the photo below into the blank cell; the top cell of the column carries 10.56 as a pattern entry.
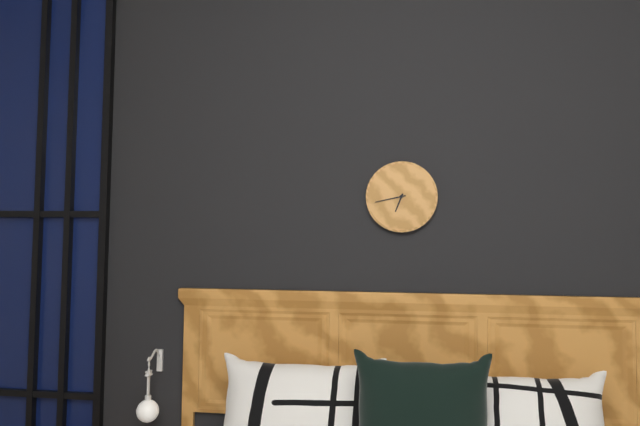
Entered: 6.43
